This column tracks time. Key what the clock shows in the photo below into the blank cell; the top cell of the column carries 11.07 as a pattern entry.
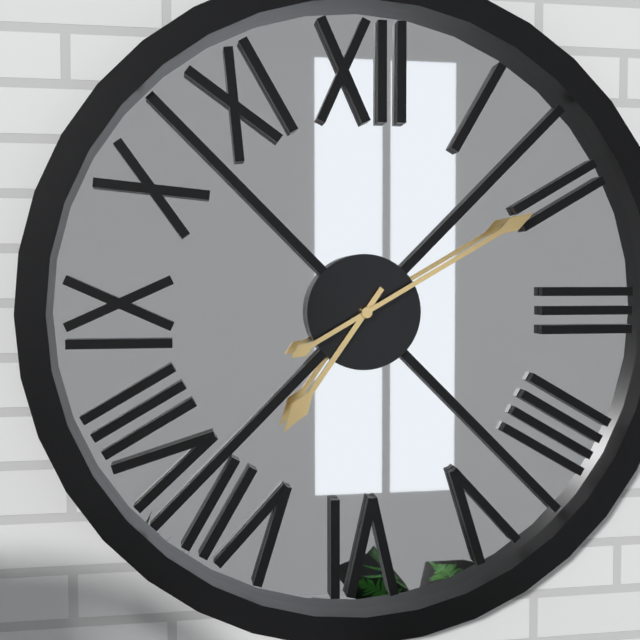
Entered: 7.10
